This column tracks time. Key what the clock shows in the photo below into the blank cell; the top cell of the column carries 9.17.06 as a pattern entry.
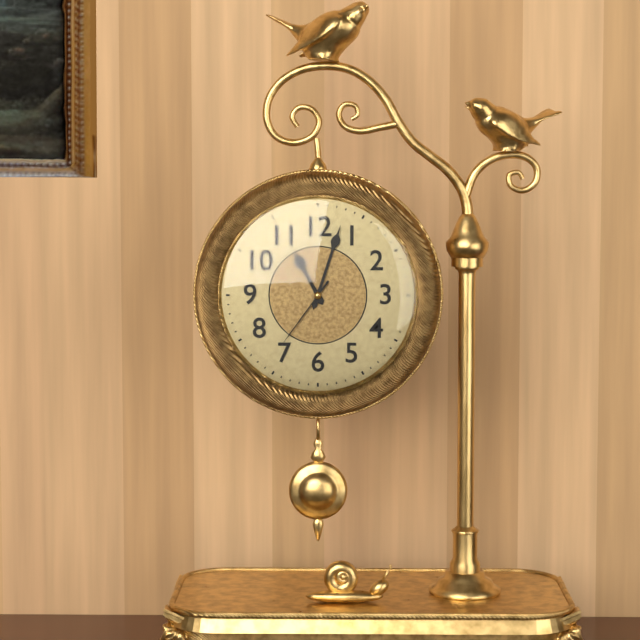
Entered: 11.03.36
